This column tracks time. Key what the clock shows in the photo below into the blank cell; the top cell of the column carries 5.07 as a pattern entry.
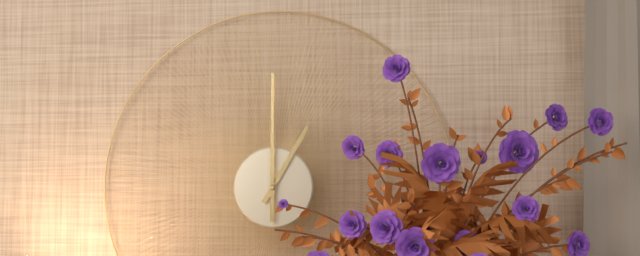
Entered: 1.00
